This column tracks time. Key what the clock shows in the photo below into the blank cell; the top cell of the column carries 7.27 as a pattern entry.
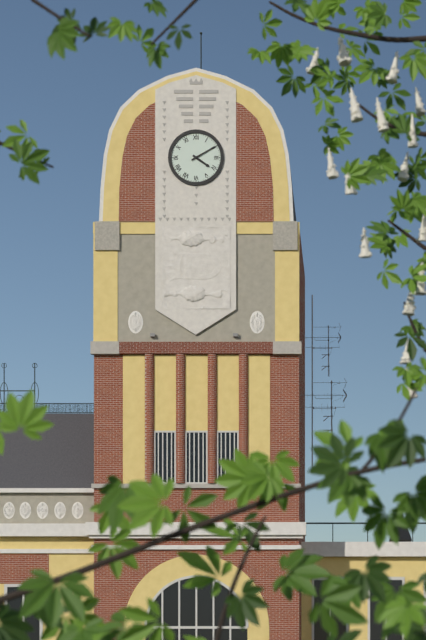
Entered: 4.10
